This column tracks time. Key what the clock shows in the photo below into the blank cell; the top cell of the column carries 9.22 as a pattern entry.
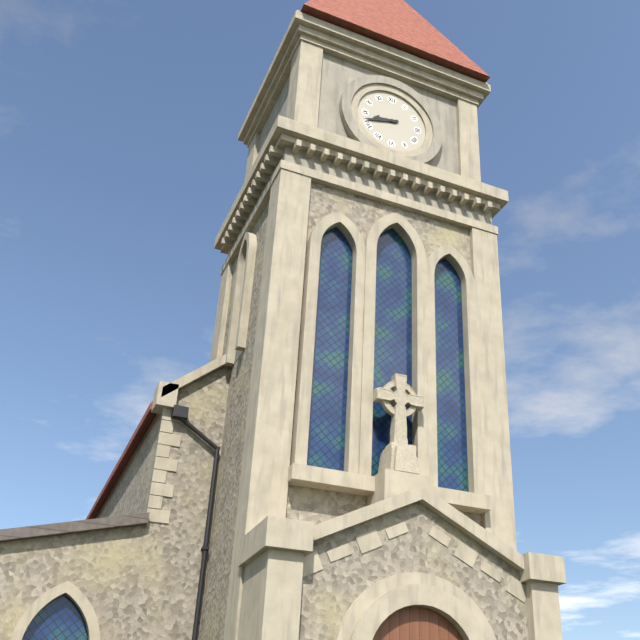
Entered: 8.42
